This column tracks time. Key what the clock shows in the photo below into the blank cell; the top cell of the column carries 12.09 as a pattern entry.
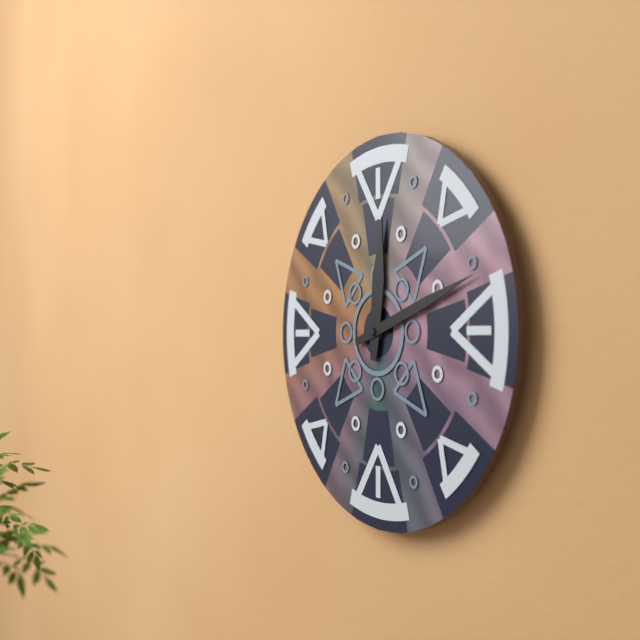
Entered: 12.12
